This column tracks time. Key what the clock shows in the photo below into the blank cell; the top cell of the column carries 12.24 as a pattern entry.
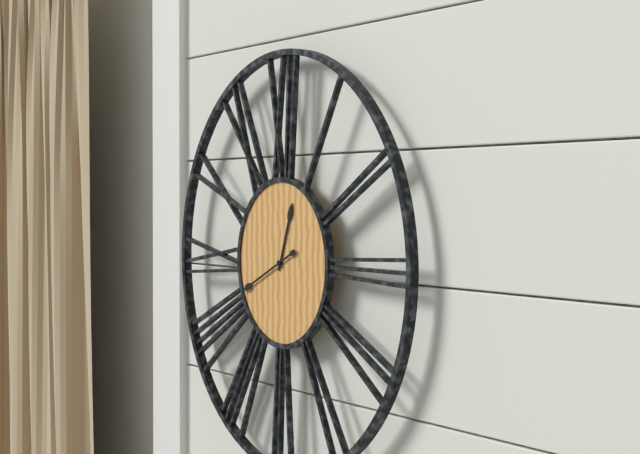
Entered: 12.41
